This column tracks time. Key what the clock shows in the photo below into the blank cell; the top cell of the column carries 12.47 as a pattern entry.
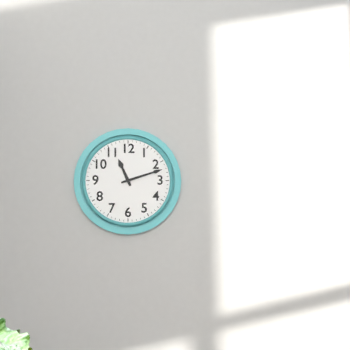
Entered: 11.12
